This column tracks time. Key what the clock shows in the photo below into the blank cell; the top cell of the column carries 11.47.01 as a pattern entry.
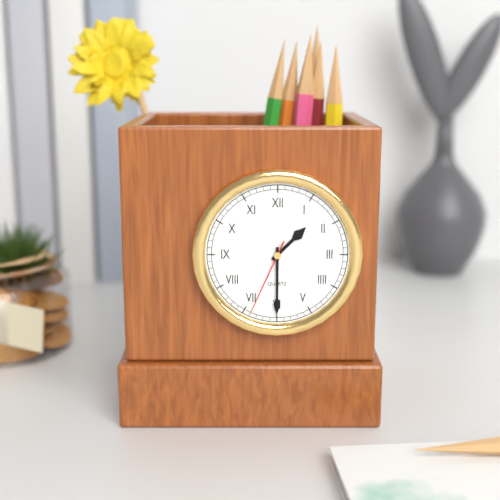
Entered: 1.30.34
